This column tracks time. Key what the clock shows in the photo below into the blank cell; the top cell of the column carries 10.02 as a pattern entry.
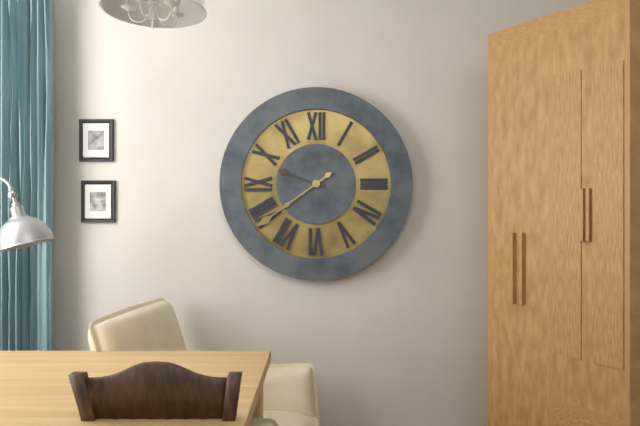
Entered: 9.39
